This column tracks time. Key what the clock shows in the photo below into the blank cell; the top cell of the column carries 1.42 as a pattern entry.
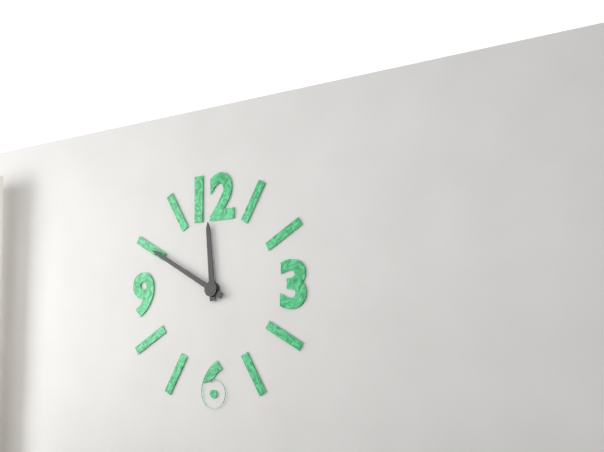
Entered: 11.50
